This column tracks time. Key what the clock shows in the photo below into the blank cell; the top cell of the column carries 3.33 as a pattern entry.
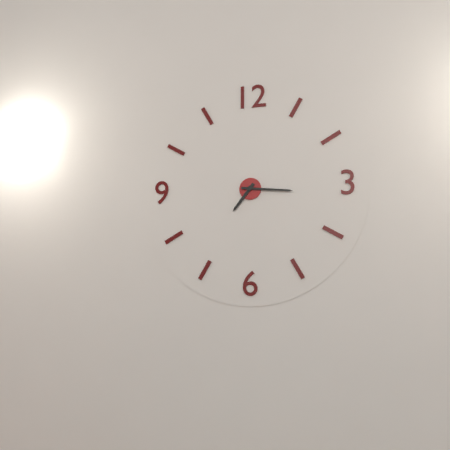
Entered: 7.16
